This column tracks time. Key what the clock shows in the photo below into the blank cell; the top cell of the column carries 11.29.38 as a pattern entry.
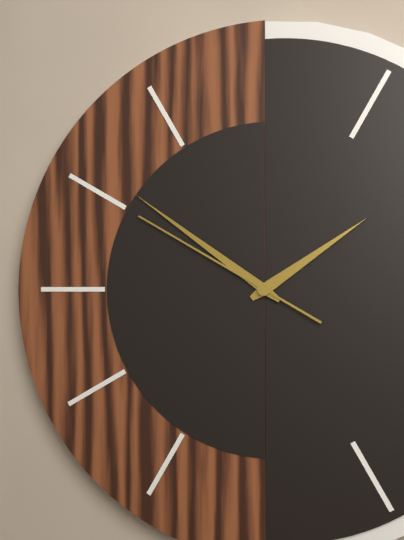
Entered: 1.51.50
